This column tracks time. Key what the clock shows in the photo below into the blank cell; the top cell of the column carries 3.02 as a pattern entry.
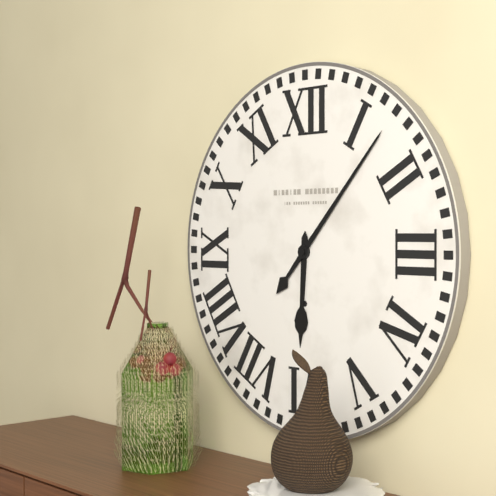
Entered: 6.07
